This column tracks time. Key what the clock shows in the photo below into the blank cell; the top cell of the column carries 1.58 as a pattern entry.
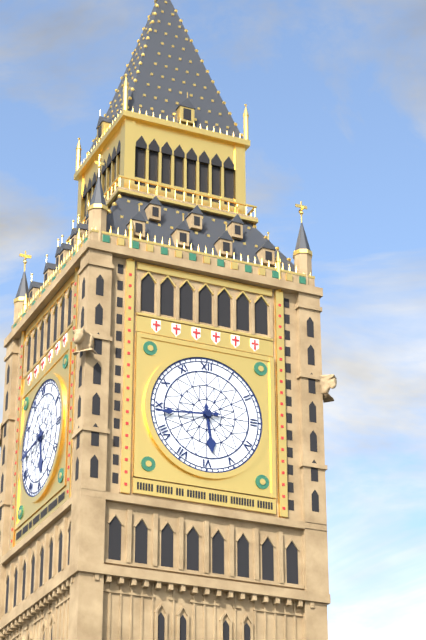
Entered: 5.44
